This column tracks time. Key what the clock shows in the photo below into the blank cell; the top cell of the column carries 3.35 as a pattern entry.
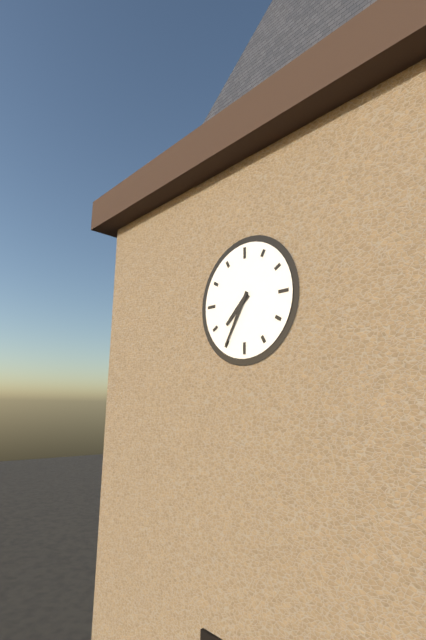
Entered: 7.35
